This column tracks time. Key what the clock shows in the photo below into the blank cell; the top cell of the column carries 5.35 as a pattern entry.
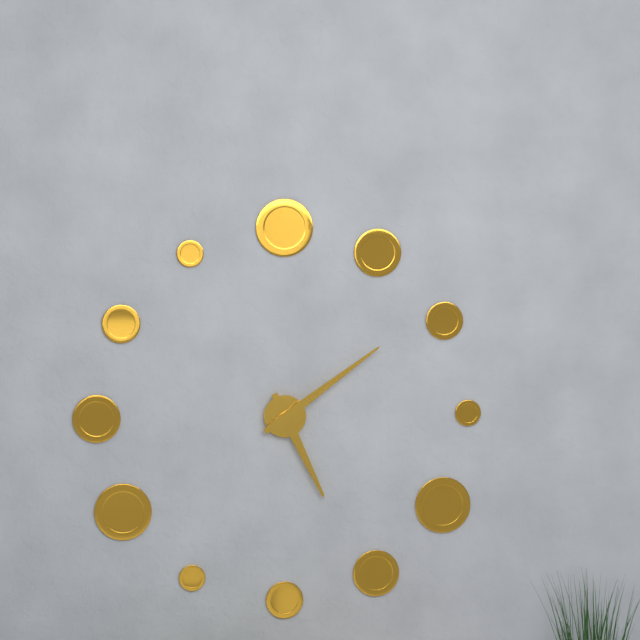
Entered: 5.09
